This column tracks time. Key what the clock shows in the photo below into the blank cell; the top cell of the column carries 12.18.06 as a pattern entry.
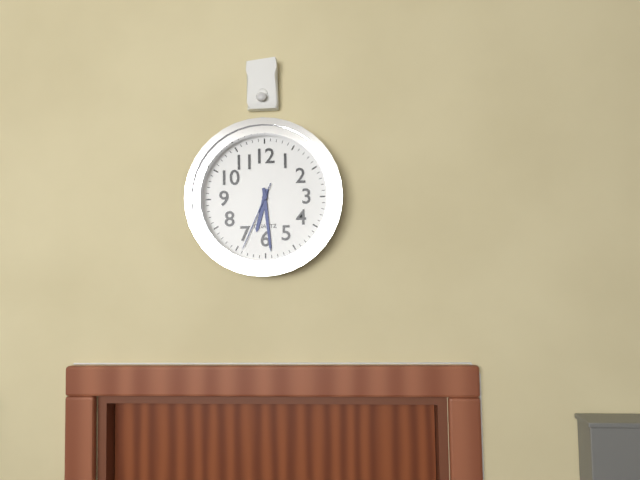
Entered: 6.29.34
